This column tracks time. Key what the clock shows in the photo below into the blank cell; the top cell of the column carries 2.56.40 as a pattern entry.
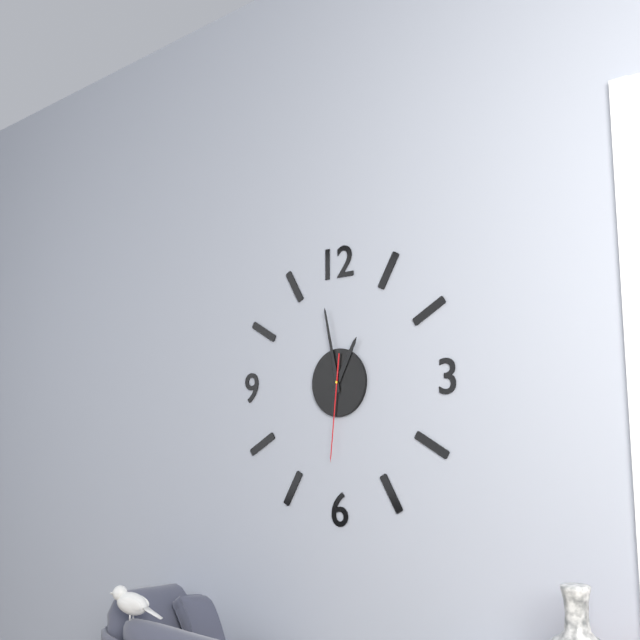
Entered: 12.58.31
